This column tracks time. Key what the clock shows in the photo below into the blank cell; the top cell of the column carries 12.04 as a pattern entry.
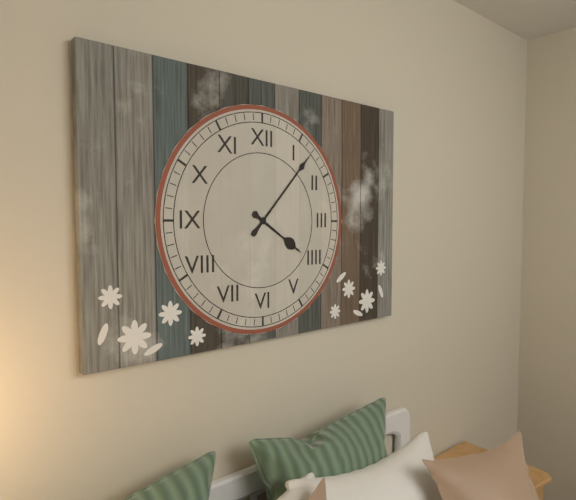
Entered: 4.07
